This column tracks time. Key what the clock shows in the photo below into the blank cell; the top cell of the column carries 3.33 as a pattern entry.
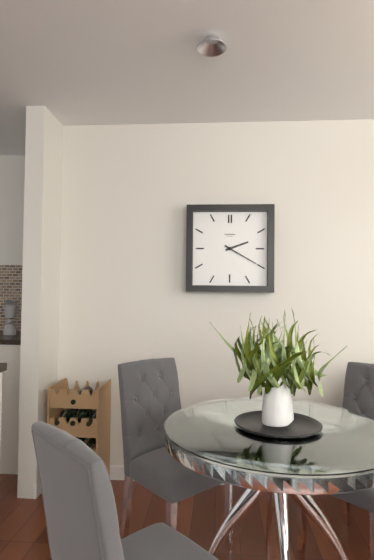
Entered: 2.20
